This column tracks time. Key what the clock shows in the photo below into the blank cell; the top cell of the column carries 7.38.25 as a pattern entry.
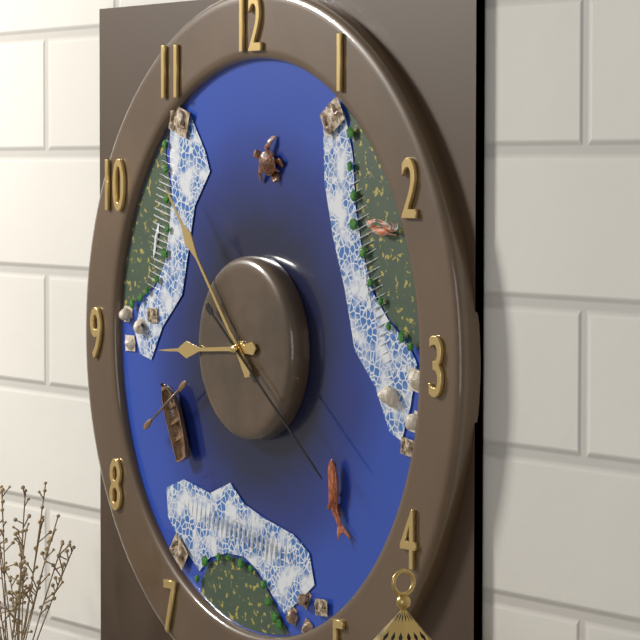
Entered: 8.53.21
